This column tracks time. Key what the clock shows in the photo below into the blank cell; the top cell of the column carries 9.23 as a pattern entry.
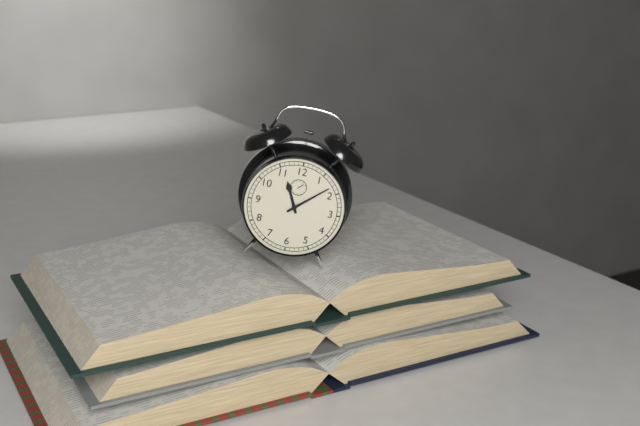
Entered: 11.08
